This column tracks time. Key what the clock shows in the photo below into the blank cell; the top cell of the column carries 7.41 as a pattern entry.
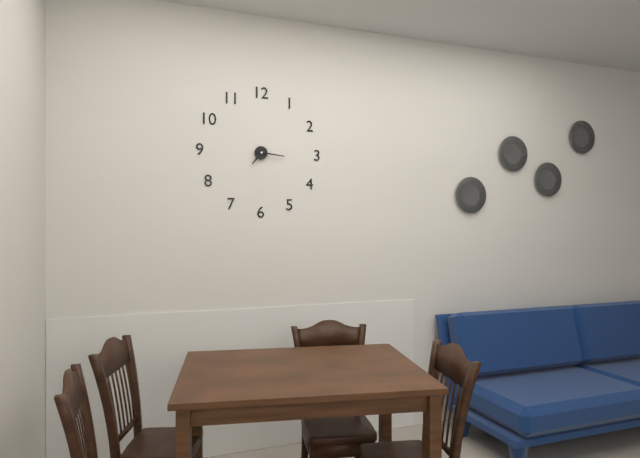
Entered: 7.16
